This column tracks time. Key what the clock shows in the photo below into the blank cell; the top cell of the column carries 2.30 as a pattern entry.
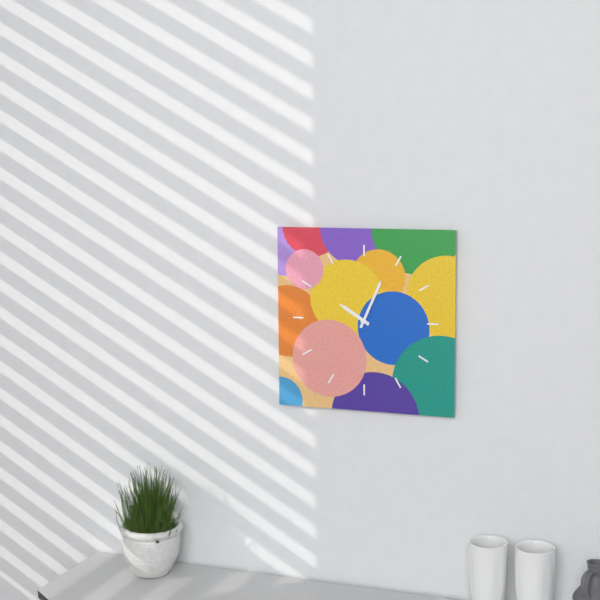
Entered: 10.04
